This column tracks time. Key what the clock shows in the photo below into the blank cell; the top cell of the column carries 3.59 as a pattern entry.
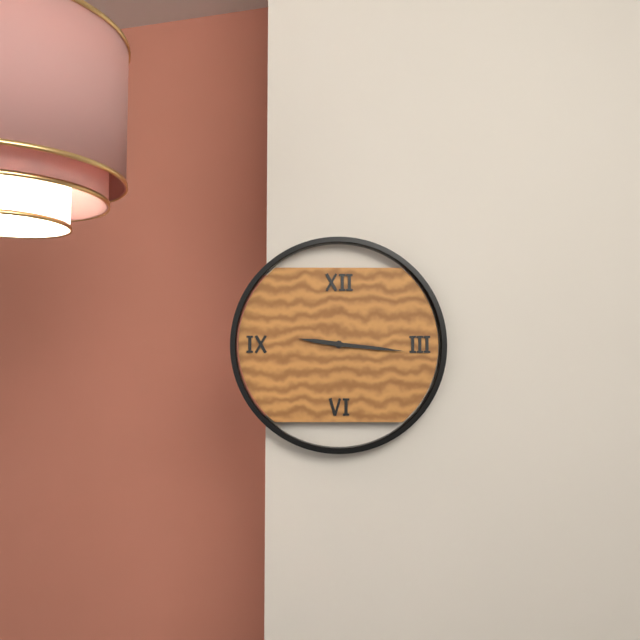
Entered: 9.16
